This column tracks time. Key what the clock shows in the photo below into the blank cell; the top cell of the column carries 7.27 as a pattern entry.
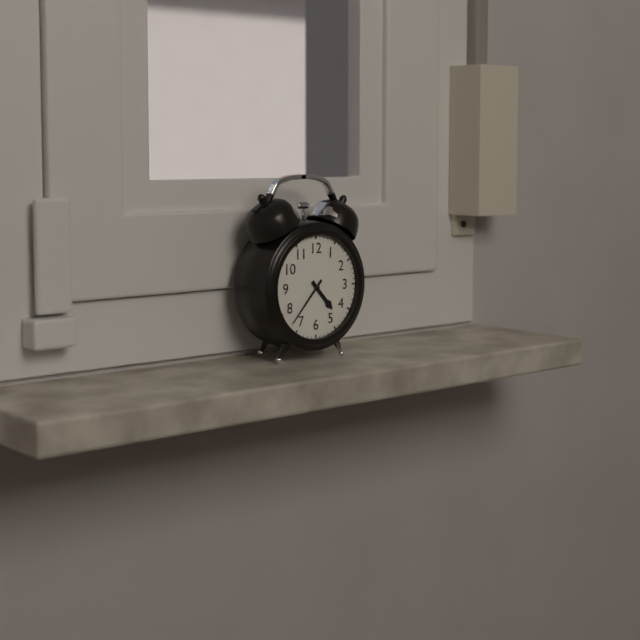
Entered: 4.37
